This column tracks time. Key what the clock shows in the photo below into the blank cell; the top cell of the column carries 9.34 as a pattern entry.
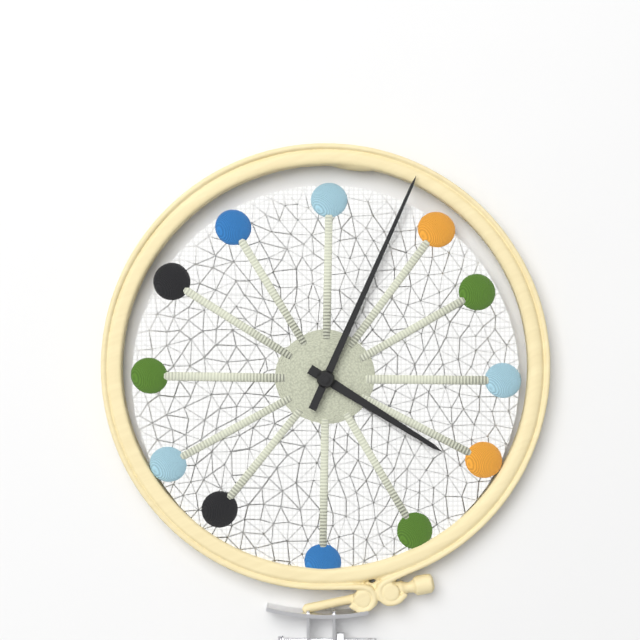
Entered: 4.04
